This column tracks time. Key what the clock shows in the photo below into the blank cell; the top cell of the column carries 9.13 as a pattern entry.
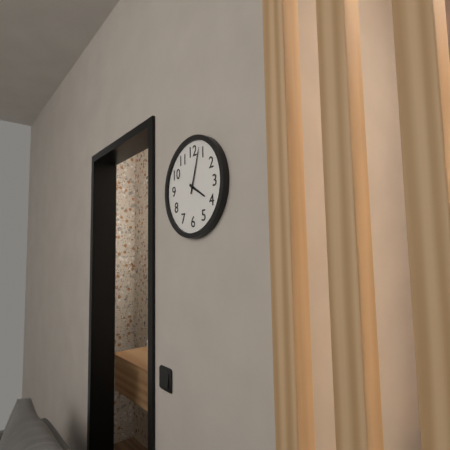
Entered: 4.03
